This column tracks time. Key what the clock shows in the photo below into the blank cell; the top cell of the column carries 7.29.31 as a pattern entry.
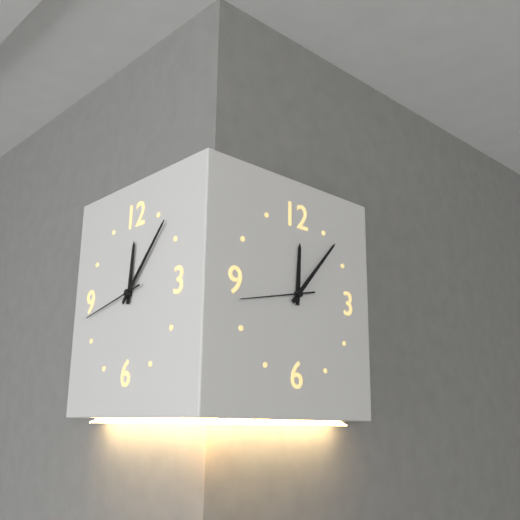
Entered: 12.07.43
